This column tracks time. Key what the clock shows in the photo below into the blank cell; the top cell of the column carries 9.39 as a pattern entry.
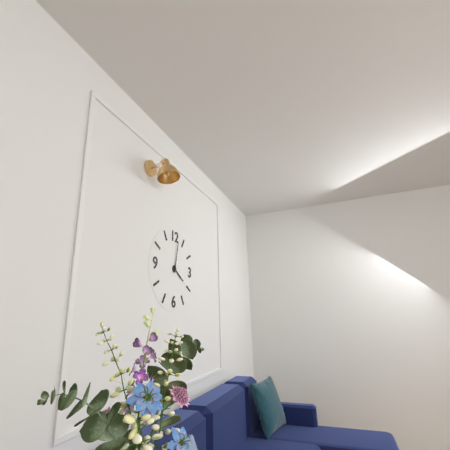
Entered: 4.02
